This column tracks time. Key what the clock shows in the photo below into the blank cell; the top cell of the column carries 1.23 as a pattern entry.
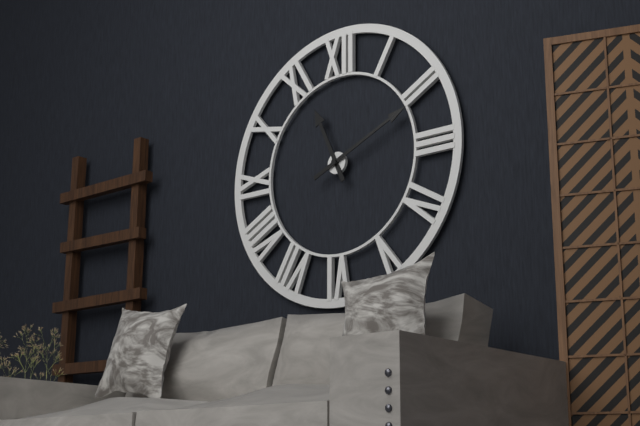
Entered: 11.11
